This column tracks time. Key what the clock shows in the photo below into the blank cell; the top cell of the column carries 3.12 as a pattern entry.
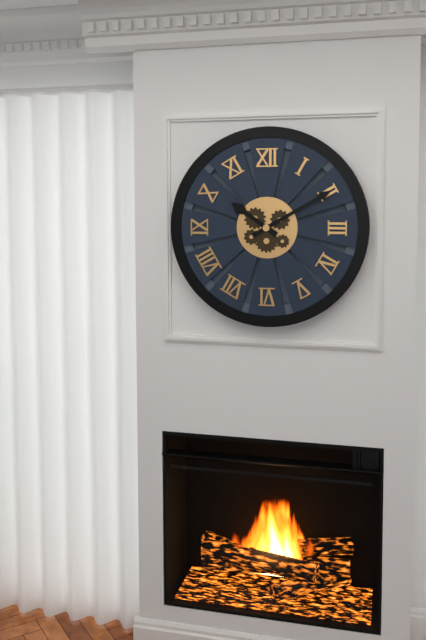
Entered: 10.10
